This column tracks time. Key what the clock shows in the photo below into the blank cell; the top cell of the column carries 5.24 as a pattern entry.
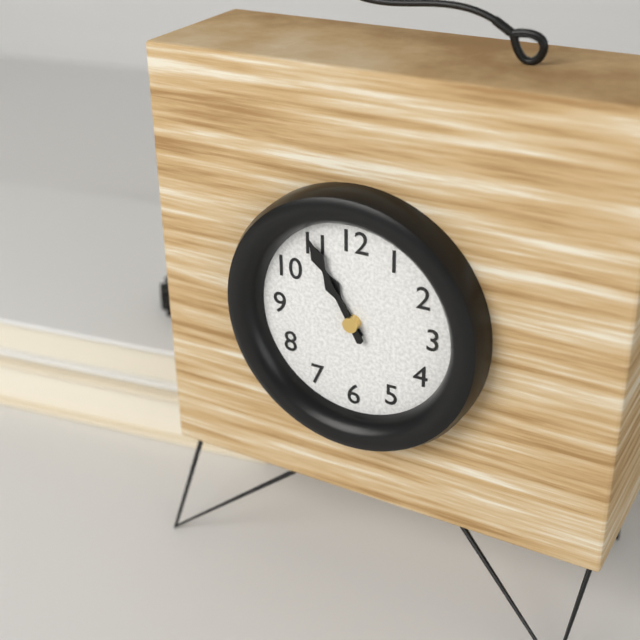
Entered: 10.55
